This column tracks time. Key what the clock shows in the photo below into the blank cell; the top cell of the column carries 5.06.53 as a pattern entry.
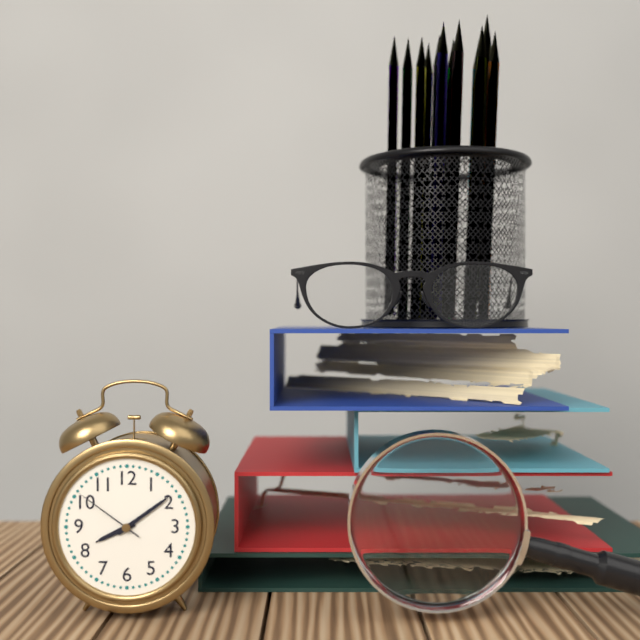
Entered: 8.09.51
